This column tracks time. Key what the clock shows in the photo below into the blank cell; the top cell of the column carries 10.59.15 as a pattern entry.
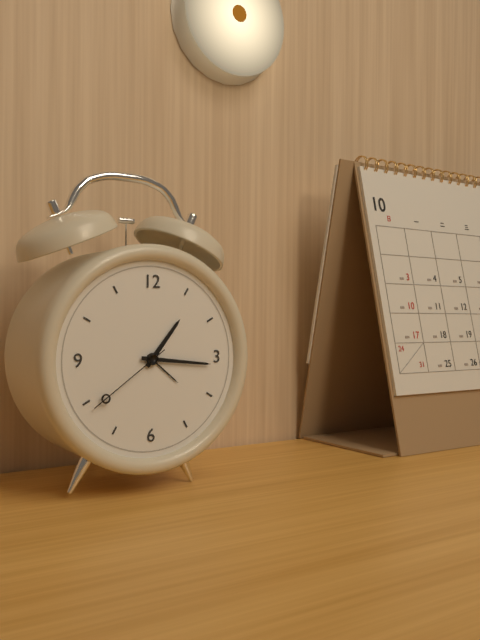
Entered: 1.16.39
